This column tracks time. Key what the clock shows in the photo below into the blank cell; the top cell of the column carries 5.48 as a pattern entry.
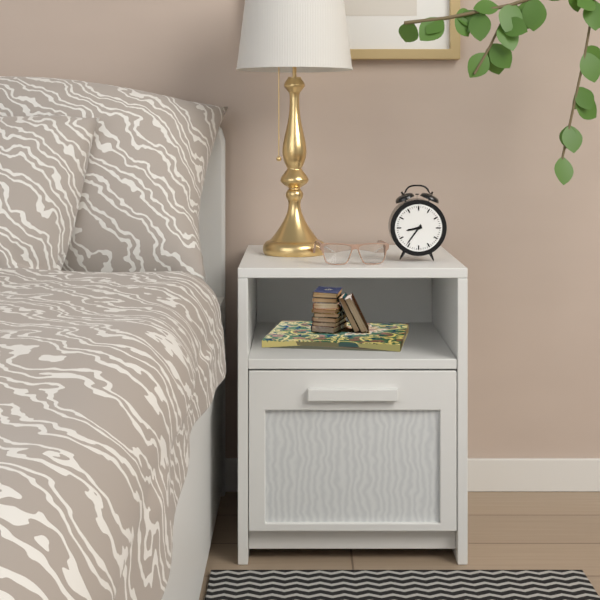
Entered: 8.36
